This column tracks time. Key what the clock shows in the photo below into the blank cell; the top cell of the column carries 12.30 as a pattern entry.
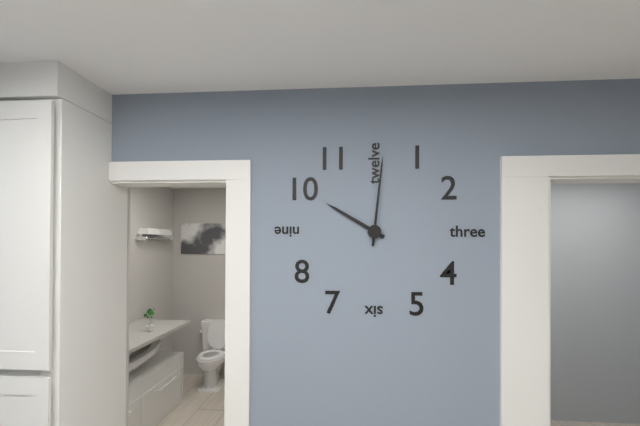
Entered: 10.01
